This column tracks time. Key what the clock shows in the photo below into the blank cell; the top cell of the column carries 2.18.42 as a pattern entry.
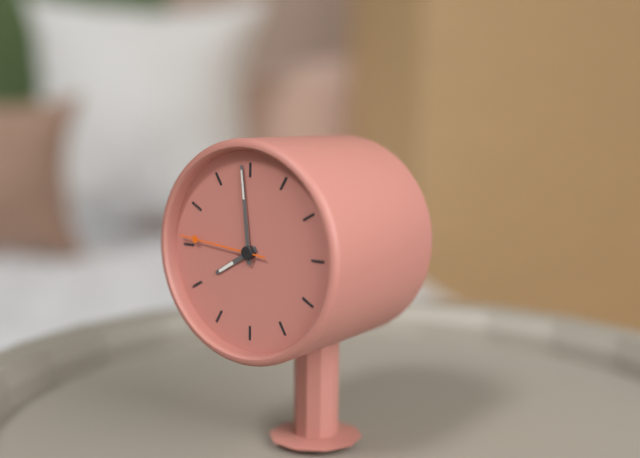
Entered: 7.59.46
